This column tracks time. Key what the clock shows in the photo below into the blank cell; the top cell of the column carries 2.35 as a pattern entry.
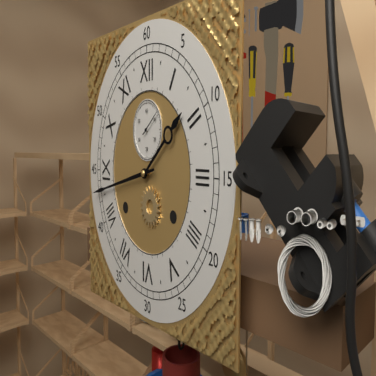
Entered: 1.43
